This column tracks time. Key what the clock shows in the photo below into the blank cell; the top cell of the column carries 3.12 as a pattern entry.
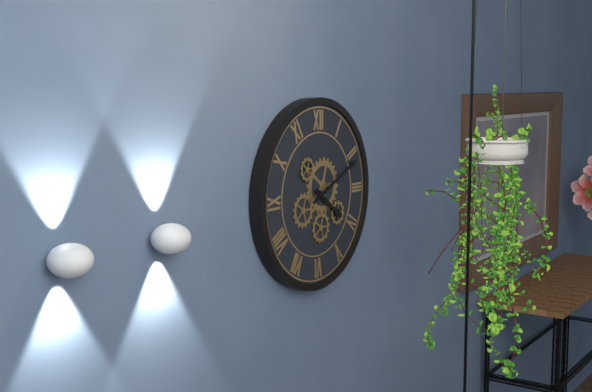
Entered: 4.11
